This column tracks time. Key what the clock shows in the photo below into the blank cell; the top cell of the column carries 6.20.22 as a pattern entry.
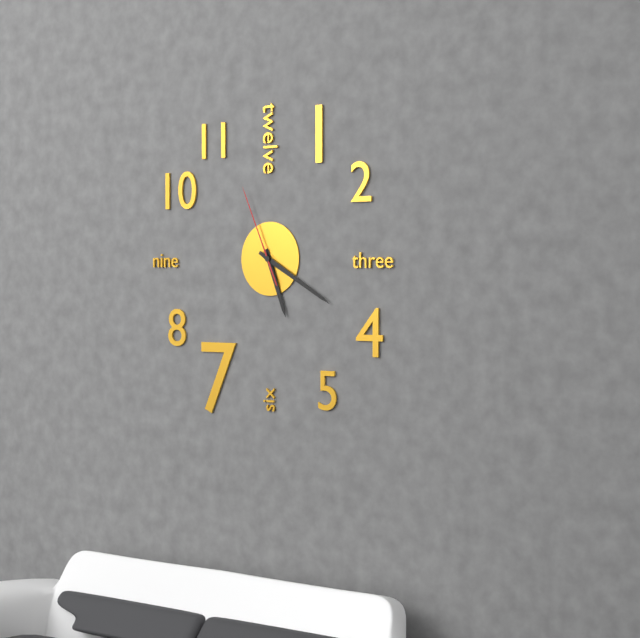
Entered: 5.20.56
